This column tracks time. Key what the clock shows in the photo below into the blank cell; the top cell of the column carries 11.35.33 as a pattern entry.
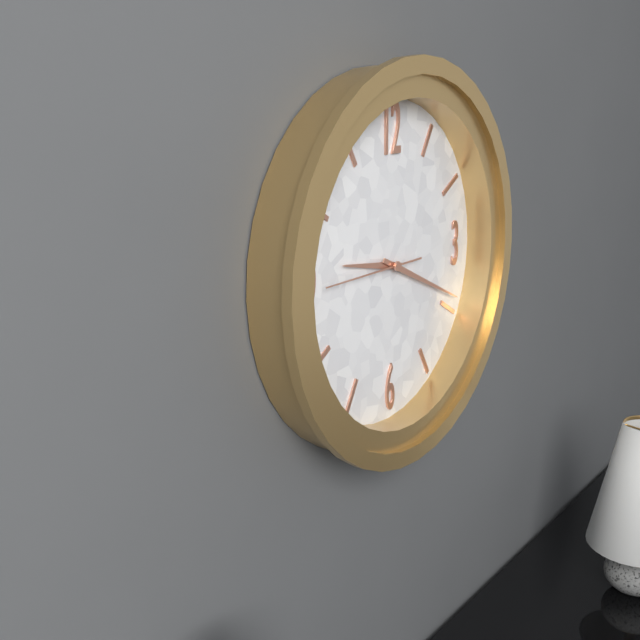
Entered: 9.19.45
